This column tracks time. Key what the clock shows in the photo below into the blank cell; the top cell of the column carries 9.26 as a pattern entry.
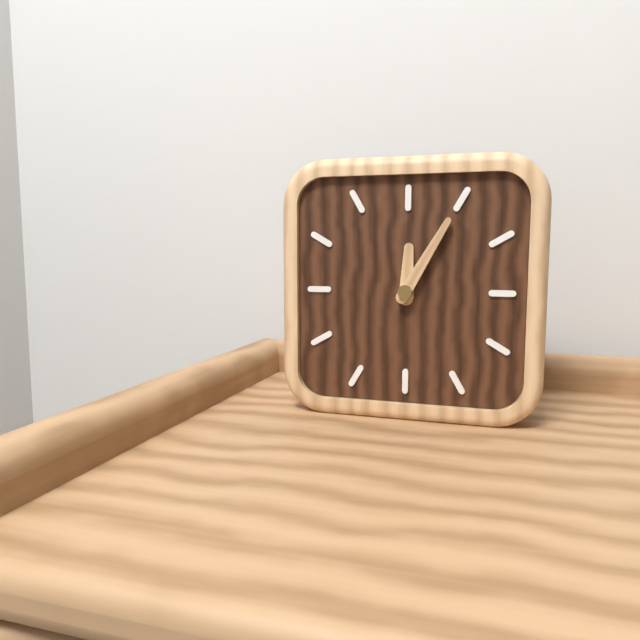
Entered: 12.05
